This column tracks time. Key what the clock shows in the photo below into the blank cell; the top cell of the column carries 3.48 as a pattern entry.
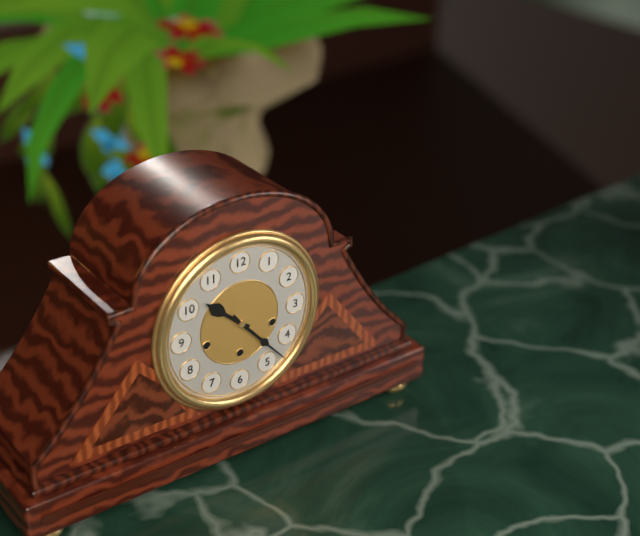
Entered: 10.23
